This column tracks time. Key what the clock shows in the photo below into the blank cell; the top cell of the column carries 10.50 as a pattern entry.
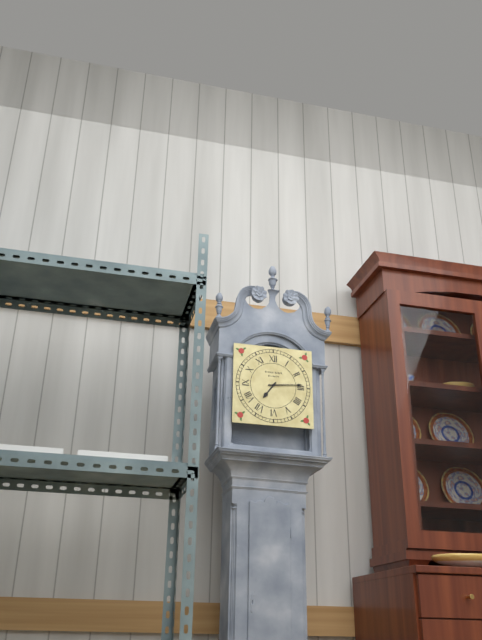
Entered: 7.14
